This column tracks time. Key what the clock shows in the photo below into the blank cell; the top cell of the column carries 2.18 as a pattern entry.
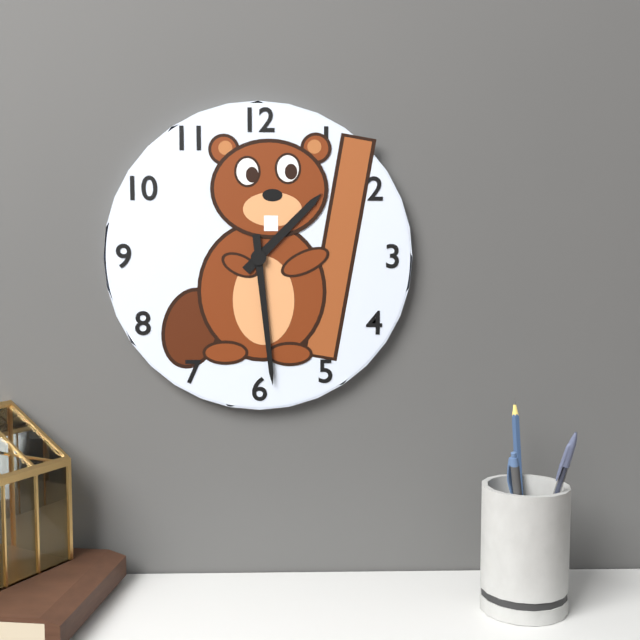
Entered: 1.29
